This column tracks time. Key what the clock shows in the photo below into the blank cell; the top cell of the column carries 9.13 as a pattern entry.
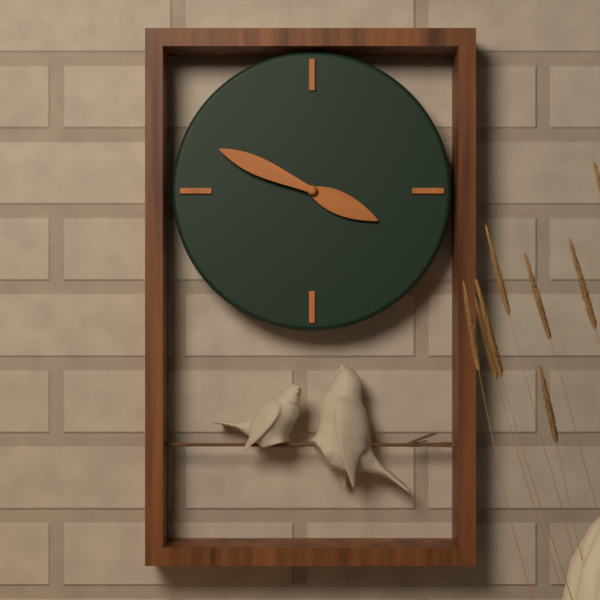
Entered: 3.49
